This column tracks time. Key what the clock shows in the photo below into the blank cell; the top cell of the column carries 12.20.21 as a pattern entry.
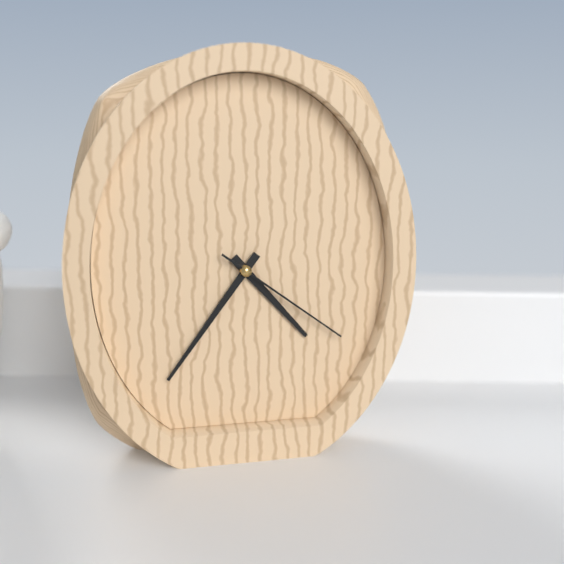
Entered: 4.36.21
